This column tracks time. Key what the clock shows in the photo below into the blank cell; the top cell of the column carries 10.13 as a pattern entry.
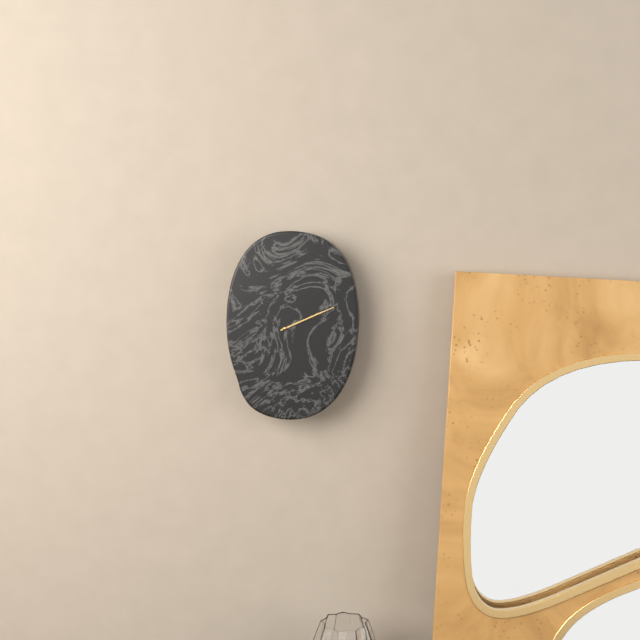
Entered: 2.11
